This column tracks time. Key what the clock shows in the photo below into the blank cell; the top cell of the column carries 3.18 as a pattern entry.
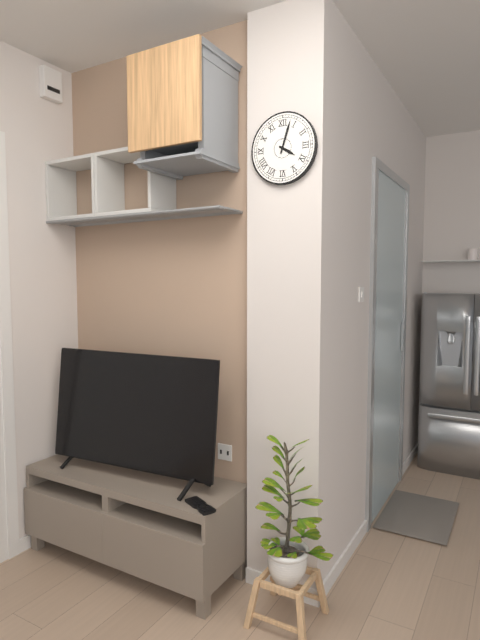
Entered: 4.03
